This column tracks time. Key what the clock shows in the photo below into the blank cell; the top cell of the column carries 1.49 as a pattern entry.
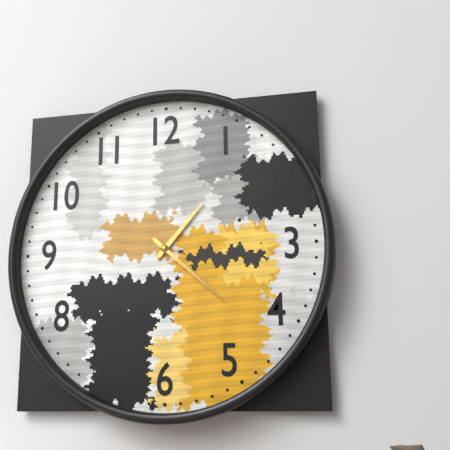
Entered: 1.22
